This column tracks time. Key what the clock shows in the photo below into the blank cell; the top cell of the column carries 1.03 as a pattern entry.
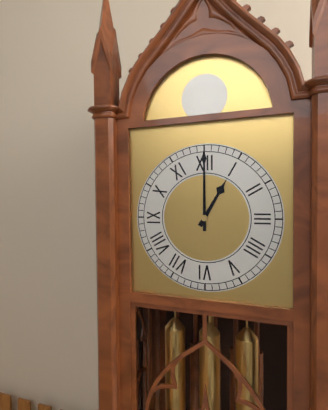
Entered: 1.00
